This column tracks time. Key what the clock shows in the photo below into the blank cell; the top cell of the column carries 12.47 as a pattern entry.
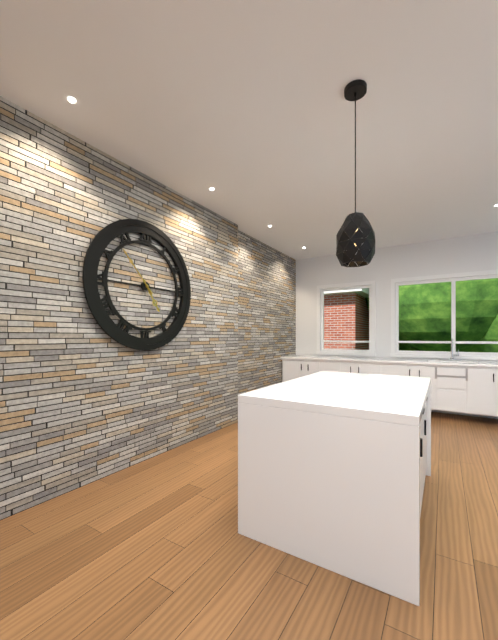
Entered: 4.53
